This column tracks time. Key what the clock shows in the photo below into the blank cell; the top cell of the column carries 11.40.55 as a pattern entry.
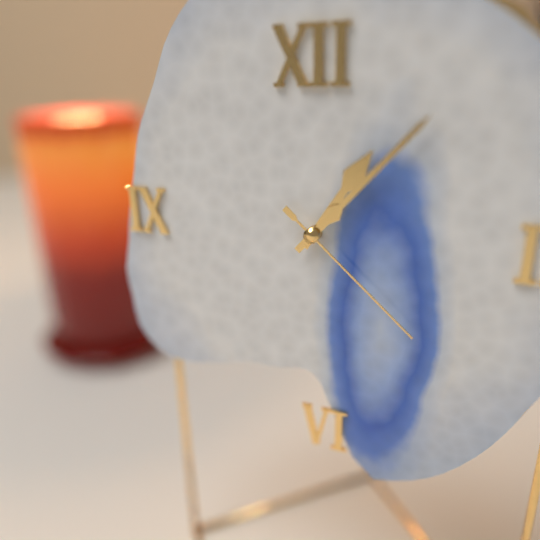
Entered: 1.07.22
